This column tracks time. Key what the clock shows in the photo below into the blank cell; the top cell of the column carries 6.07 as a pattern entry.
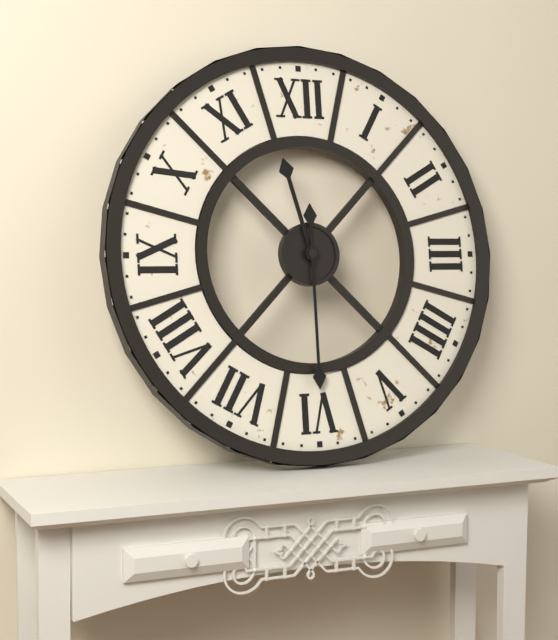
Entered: 11.30
